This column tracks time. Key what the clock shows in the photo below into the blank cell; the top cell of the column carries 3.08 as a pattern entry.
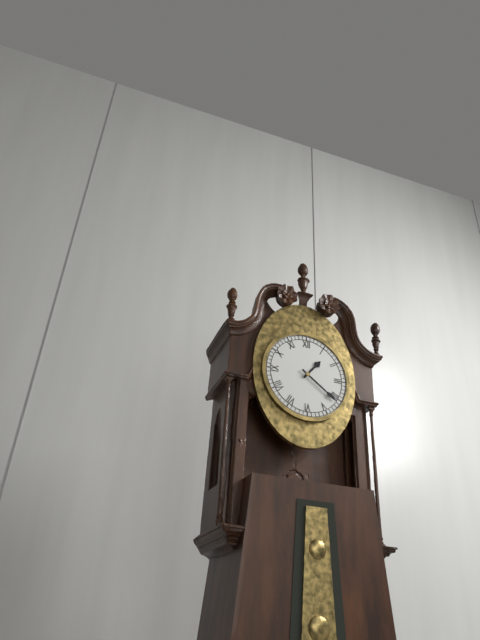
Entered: 1.21
